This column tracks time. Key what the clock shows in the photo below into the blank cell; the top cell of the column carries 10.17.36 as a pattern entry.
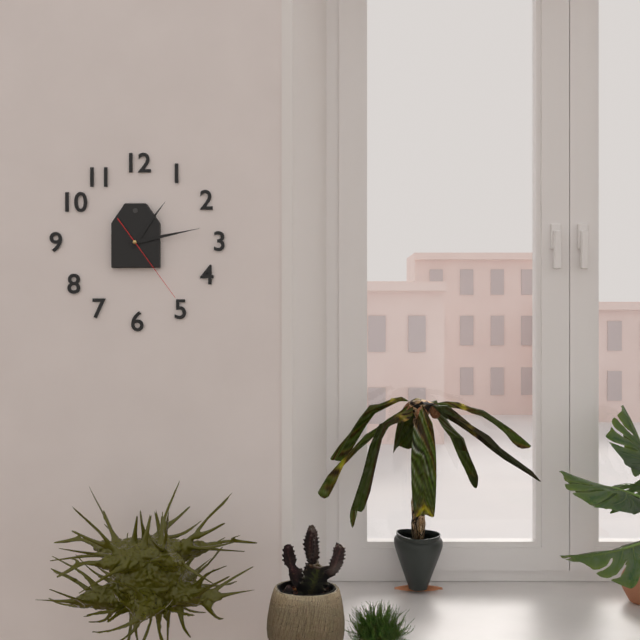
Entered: 1.13.24
